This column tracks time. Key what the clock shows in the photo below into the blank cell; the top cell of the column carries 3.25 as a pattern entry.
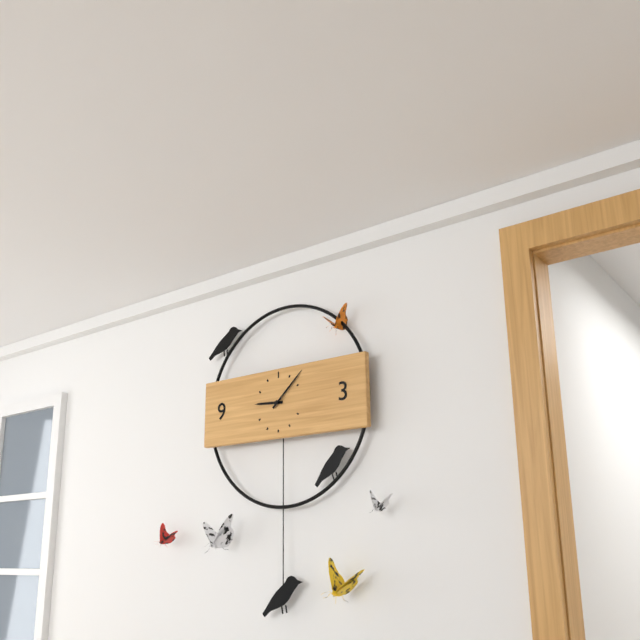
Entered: 9.08
